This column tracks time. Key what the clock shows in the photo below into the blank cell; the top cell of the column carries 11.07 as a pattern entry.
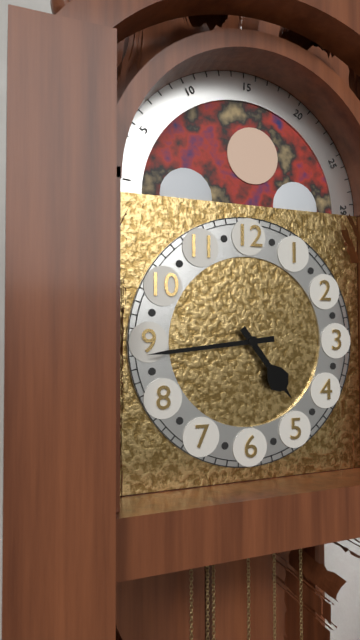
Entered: 4.44
